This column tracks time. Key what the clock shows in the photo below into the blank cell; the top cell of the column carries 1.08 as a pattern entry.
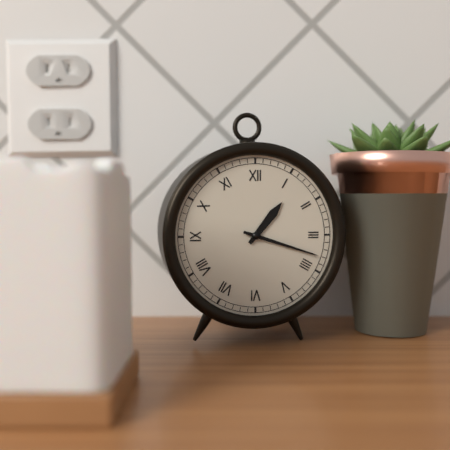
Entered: 1.18
